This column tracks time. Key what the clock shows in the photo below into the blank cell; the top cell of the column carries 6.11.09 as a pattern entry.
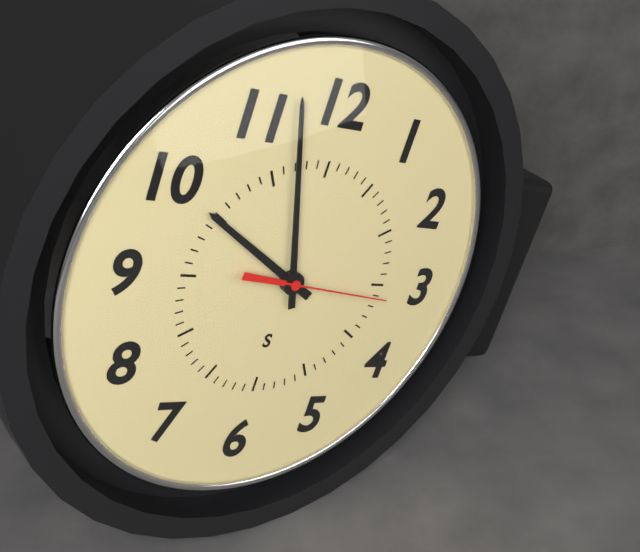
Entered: 9.57.16
